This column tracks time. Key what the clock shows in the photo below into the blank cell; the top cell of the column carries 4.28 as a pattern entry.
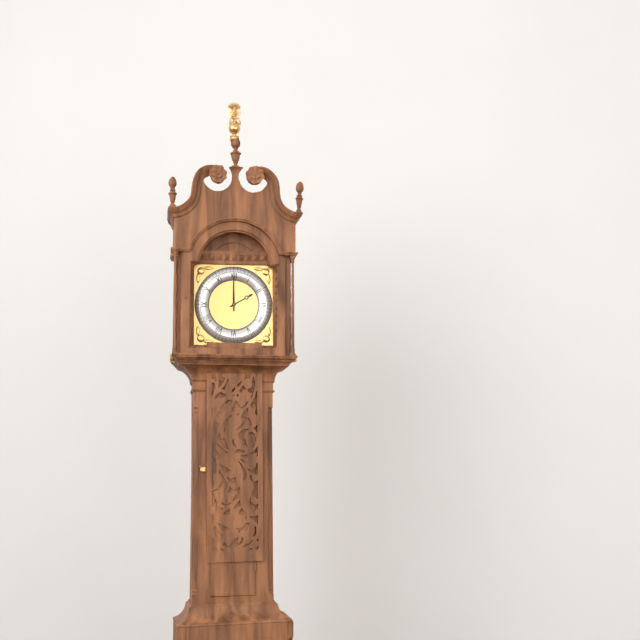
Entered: 2.00
